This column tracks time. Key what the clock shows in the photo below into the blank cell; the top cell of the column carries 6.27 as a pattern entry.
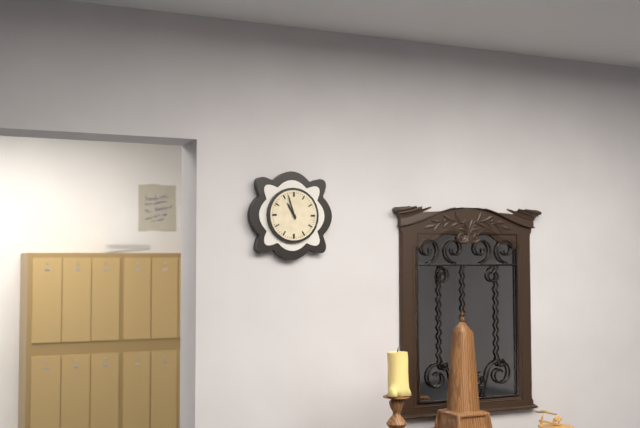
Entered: 10.57
